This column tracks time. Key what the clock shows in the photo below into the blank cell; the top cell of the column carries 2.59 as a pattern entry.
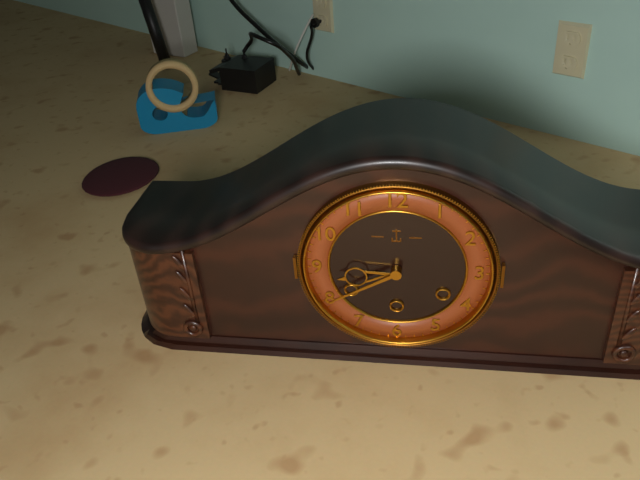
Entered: 8.40
